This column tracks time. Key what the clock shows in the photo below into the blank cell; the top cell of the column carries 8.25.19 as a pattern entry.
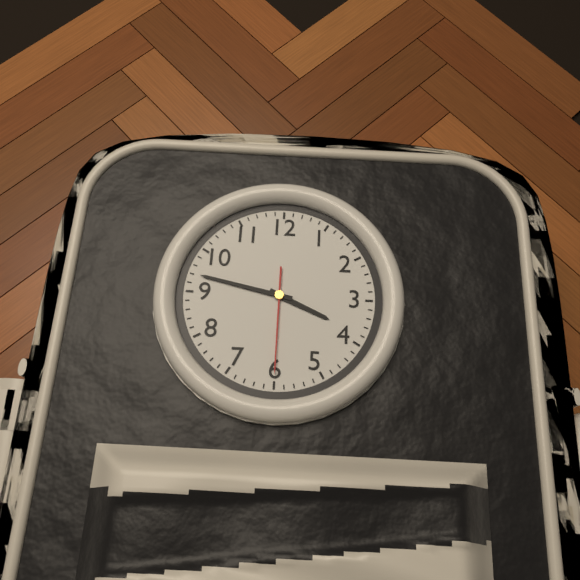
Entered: 3.47.30
